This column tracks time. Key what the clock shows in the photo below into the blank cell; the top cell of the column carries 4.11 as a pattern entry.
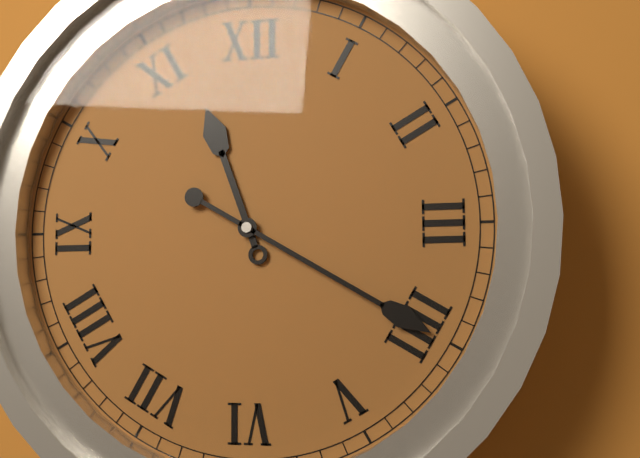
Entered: 11.20
